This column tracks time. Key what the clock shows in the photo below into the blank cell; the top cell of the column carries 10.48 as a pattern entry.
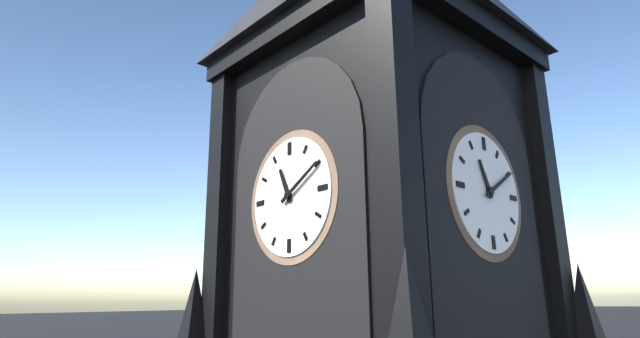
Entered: 11.10
